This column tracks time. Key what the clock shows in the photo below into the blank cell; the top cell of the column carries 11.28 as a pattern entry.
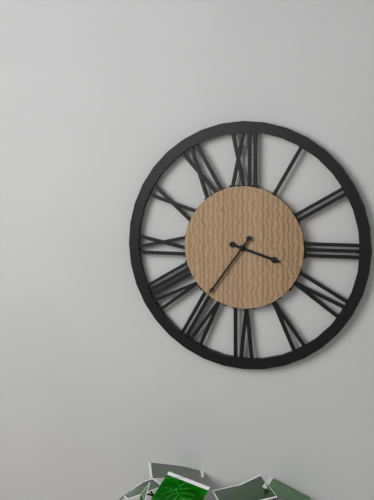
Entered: 3.36
